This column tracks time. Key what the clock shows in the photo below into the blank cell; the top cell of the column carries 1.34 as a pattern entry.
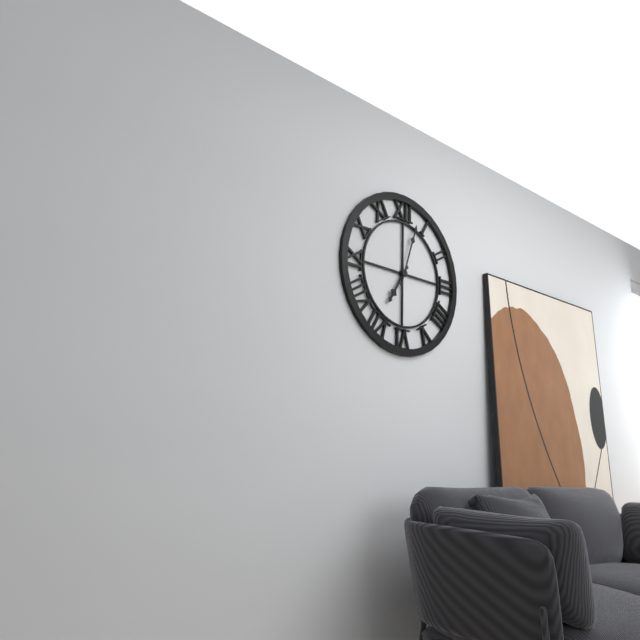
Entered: 7.03
